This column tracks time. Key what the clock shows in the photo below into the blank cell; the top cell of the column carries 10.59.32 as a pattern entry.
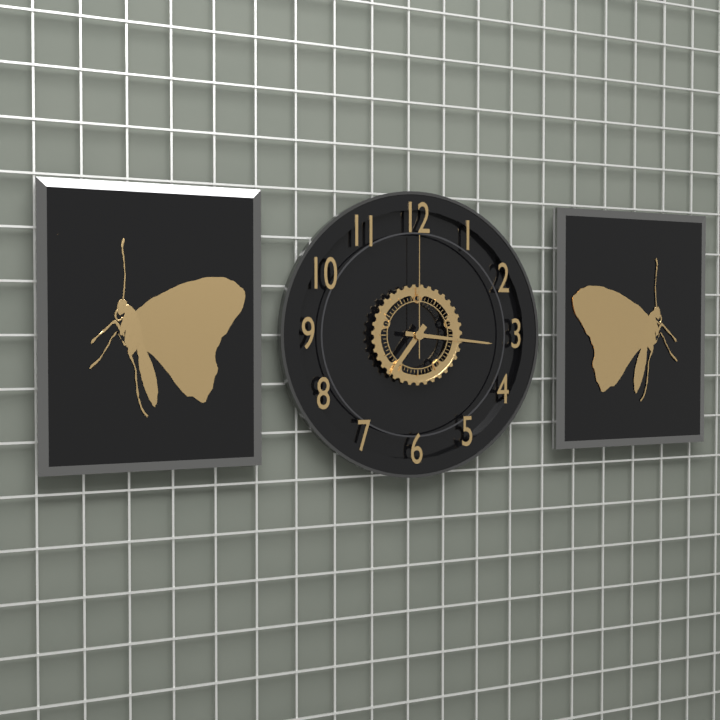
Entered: 7.16.00
